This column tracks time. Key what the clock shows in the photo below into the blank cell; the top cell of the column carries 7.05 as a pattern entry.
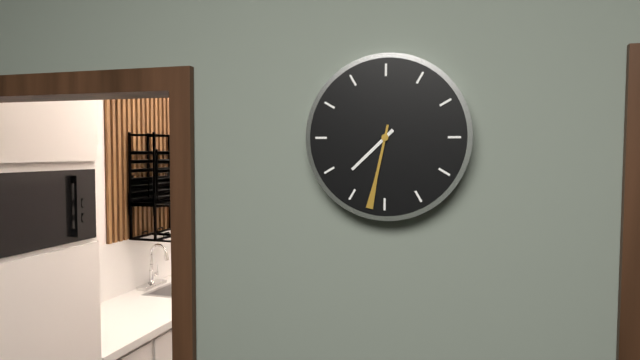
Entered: 7.32
